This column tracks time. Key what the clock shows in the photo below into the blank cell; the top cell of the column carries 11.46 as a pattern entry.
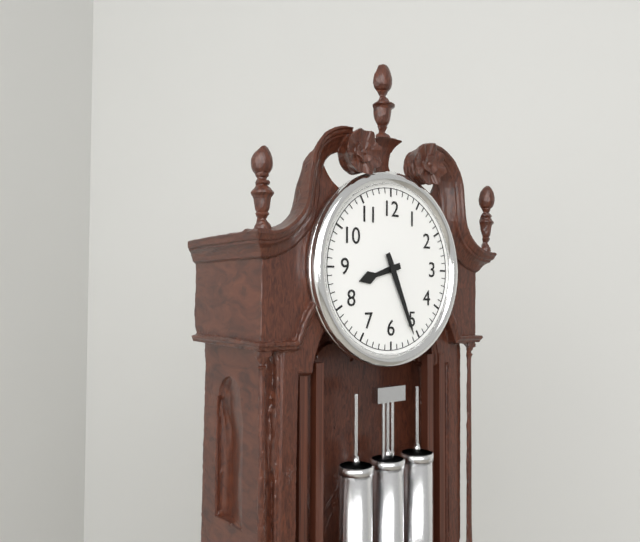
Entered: 8.26
